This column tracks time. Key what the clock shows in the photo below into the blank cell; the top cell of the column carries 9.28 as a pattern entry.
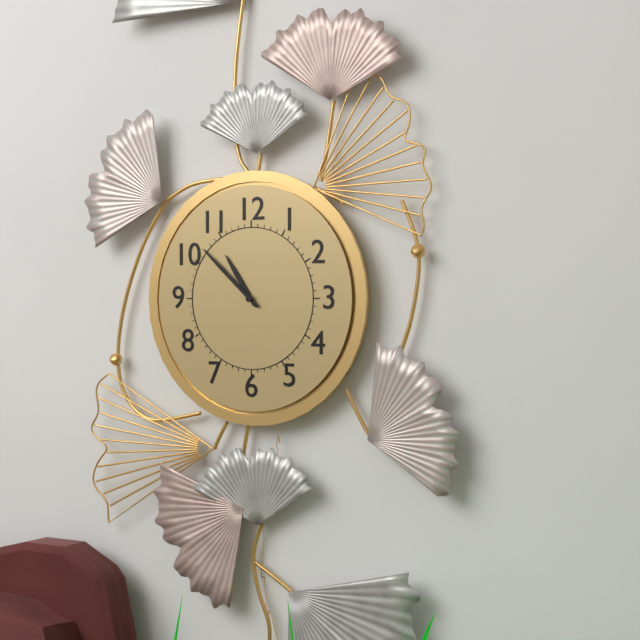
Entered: 10.52
